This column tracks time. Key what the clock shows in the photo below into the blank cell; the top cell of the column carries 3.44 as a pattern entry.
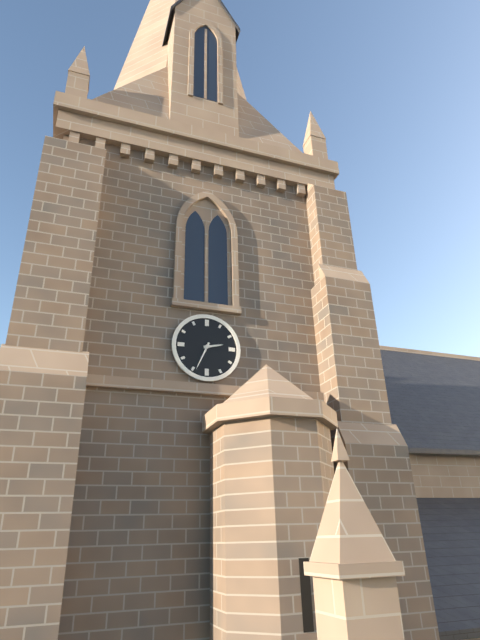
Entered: 2.34
